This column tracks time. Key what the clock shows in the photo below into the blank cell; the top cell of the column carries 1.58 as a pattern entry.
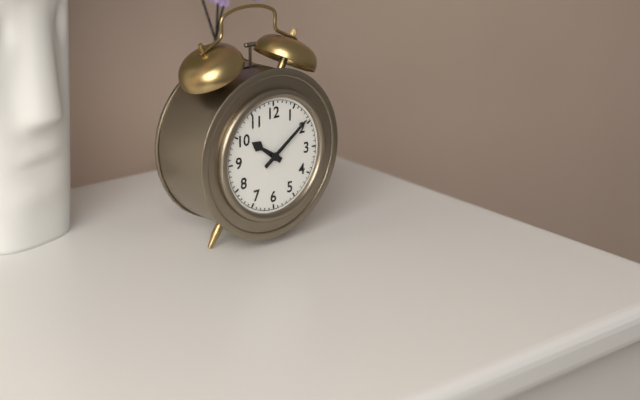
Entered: 10.09
